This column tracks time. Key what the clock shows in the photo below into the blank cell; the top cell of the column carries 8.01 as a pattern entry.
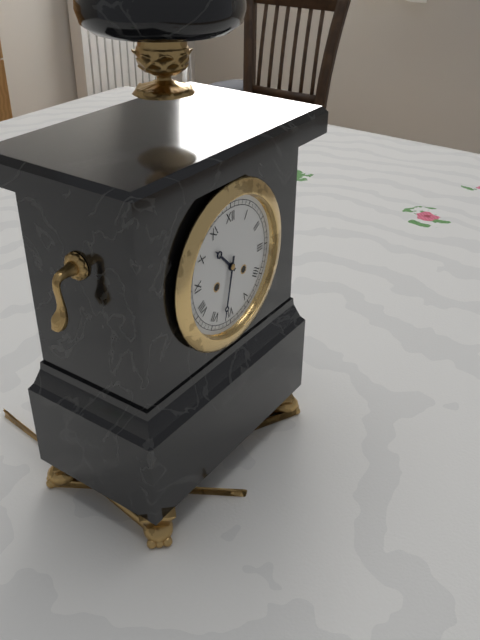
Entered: 10.32
